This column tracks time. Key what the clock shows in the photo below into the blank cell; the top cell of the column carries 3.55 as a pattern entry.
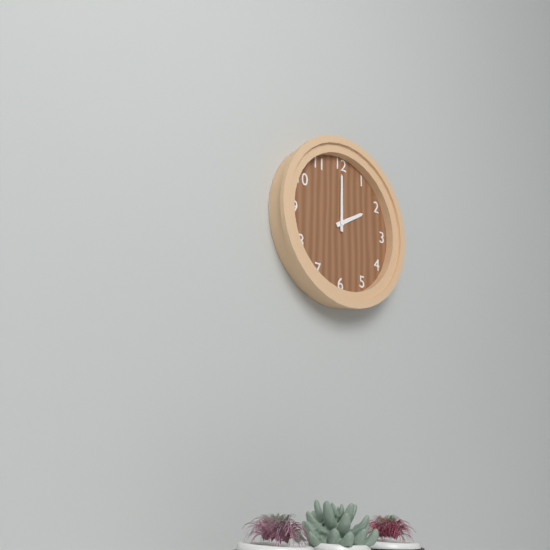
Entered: 2.00
